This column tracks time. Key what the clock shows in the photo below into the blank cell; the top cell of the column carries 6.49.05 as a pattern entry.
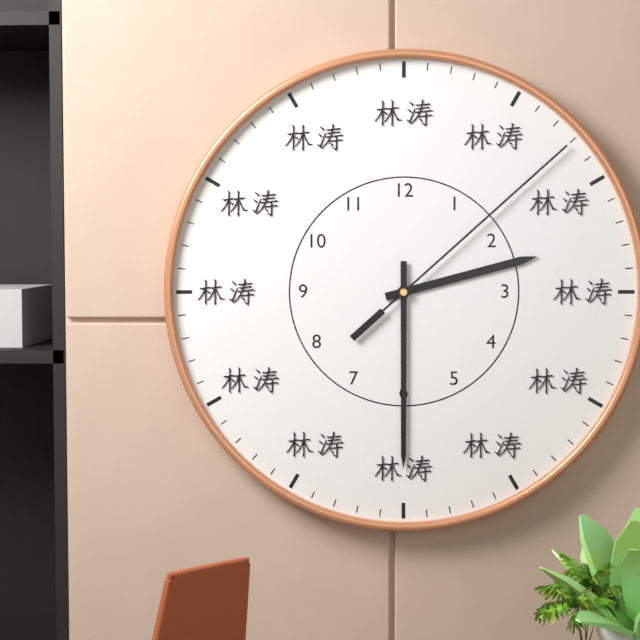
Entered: 2.30.08
